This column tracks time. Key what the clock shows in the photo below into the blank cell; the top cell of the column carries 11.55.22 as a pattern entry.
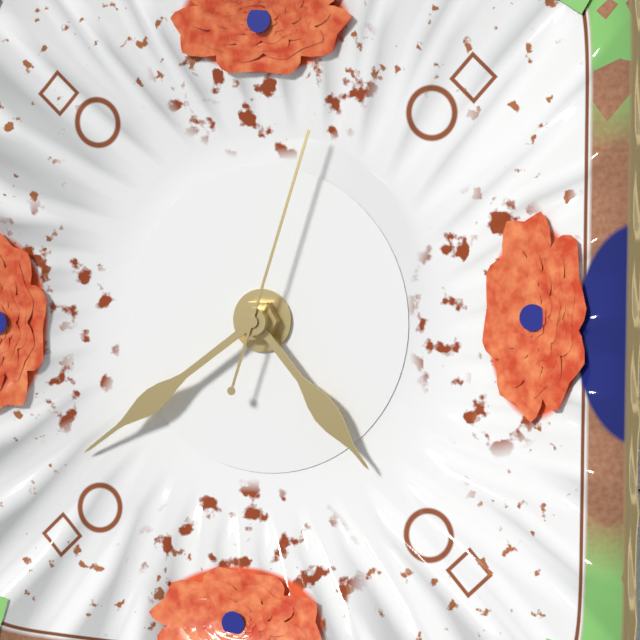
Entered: 4.39.03
